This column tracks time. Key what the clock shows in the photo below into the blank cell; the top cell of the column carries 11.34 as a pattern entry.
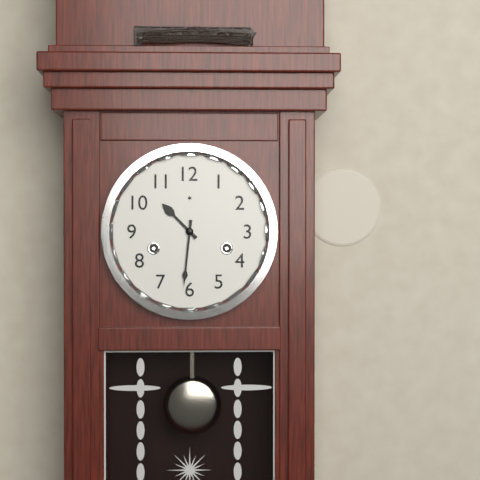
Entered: 10.31
